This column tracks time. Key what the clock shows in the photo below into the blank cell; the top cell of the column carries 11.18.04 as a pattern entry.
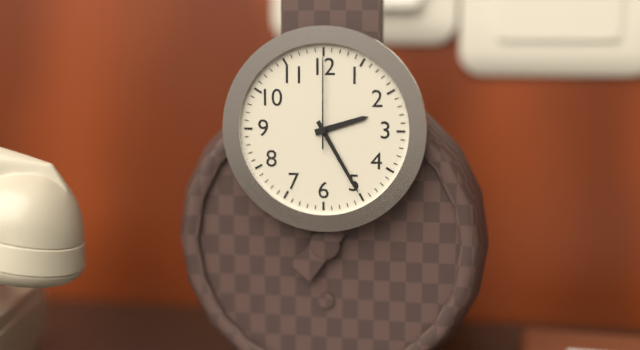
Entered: 2.25.00
